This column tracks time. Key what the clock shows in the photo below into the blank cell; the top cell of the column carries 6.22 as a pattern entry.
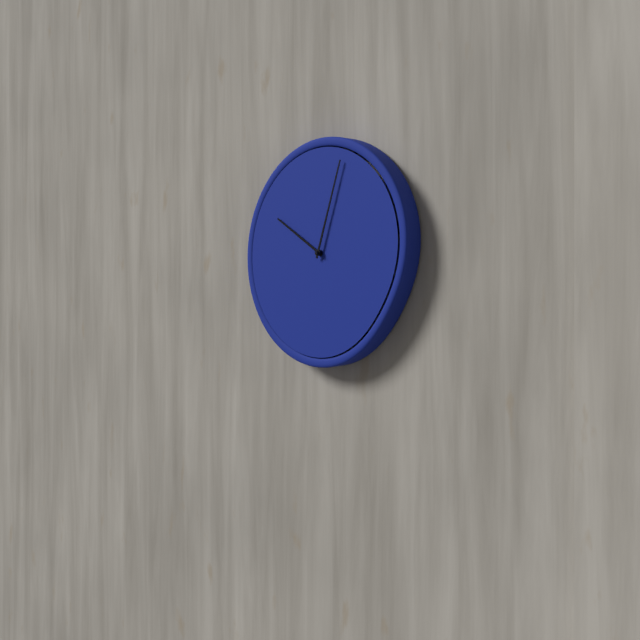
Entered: 10.03
